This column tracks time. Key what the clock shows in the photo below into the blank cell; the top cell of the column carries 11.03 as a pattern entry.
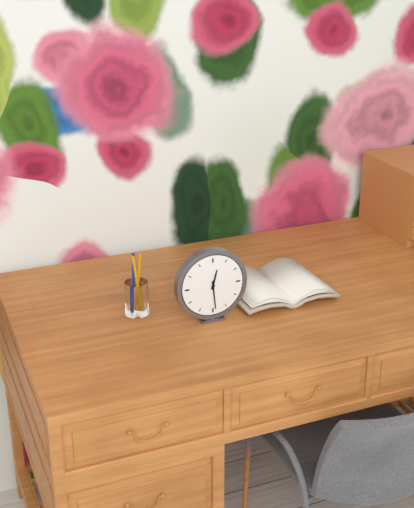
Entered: 12.29
